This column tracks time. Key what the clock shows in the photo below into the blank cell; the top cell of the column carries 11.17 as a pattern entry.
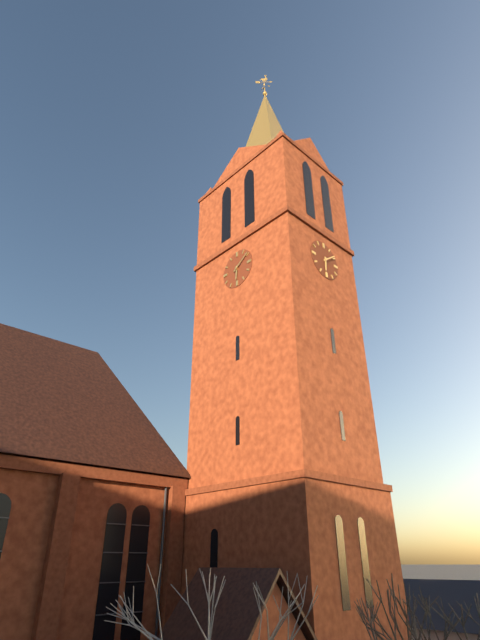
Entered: 6.09
